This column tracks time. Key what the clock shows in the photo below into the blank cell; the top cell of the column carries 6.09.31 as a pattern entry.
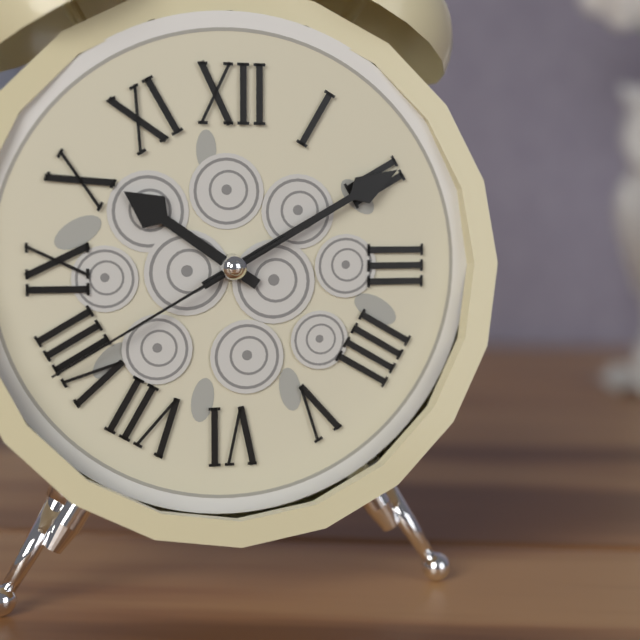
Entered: 10.10.40
